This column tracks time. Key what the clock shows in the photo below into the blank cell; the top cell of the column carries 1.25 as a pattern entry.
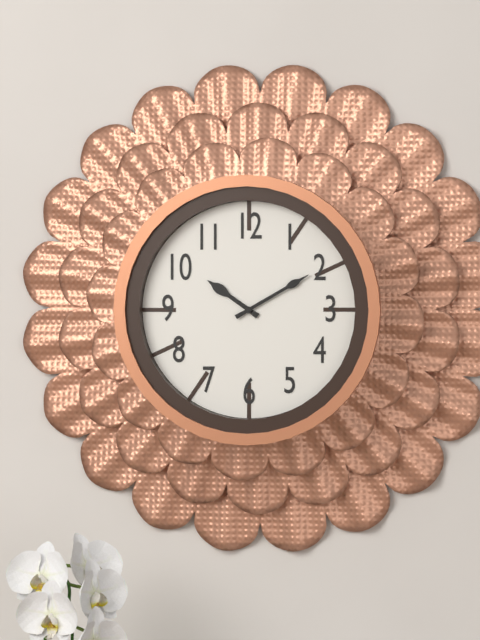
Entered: 10.10
